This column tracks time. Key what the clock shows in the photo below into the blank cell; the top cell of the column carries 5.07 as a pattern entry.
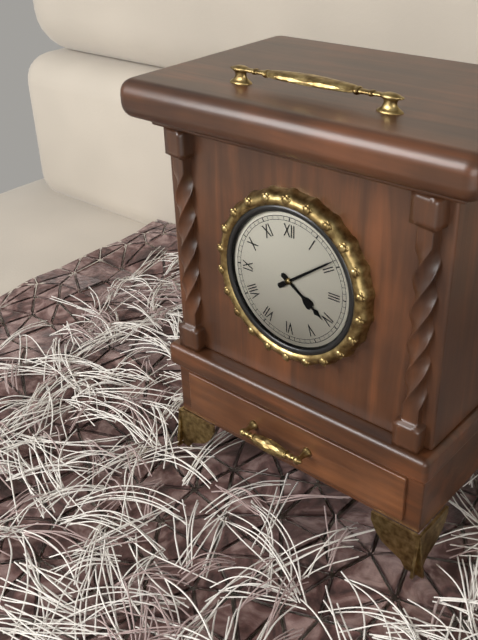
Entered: 4.09
